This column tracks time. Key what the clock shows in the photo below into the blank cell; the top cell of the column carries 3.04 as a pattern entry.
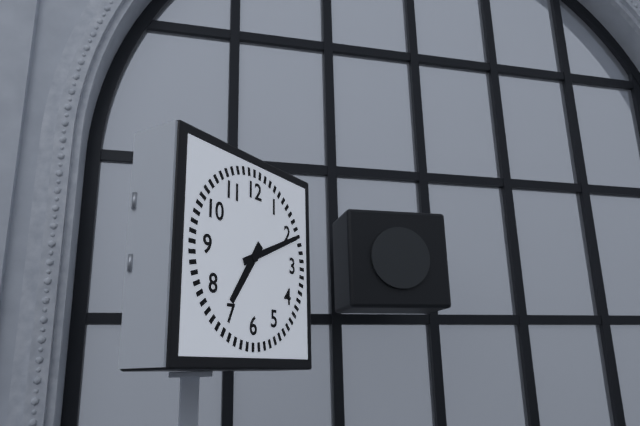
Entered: 7.11
